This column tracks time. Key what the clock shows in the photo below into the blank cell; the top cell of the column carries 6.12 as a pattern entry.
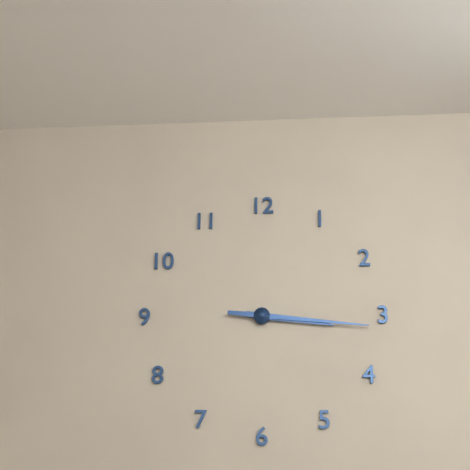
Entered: 3.16
